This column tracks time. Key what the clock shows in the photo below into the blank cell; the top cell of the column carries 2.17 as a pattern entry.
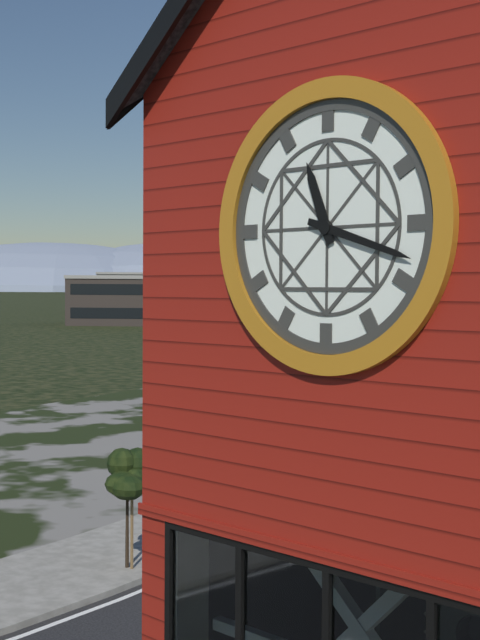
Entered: 11.18
